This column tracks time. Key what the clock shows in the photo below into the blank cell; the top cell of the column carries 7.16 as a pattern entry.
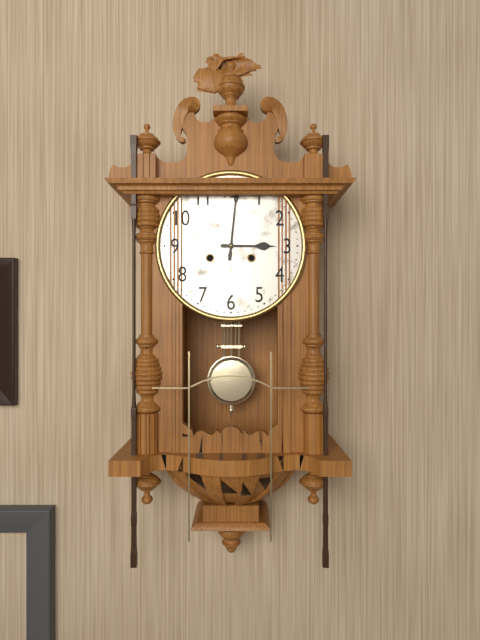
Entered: 3.01
